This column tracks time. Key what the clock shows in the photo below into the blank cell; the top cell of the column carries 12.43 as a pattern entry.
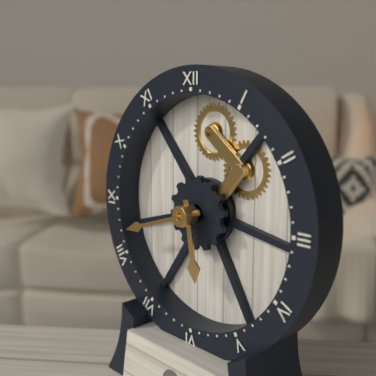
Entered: 5.42
